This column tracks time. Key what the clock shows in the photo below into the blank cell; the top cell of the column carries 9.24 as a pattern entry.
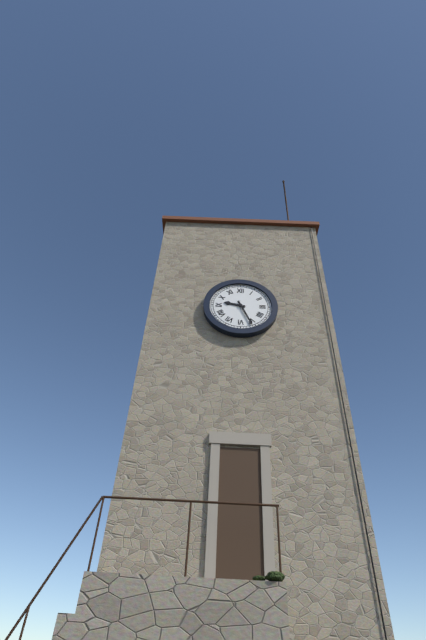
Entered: 9.26
